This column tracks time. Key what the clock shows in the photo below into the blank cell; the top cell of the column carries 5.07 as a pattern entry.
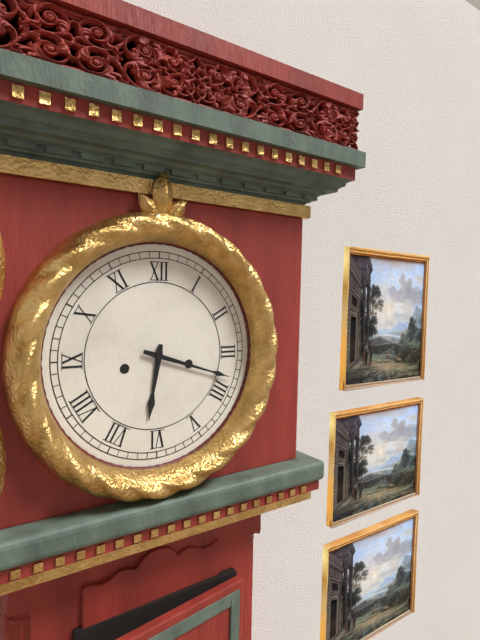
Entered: 6.18
